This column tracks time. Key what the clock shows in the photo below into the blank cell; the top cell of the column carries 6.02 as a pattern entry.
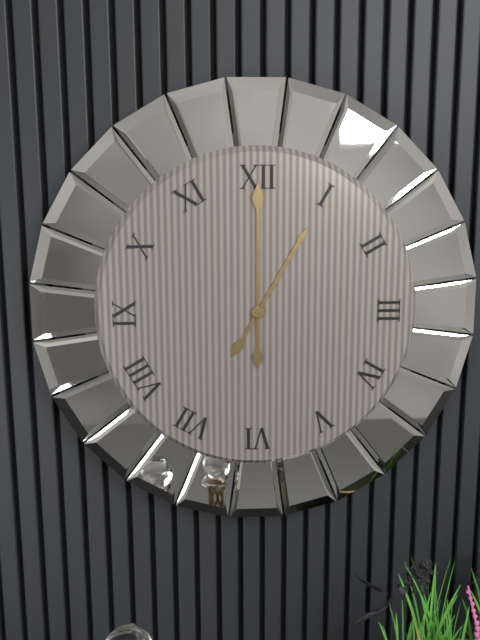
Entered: 1.00
